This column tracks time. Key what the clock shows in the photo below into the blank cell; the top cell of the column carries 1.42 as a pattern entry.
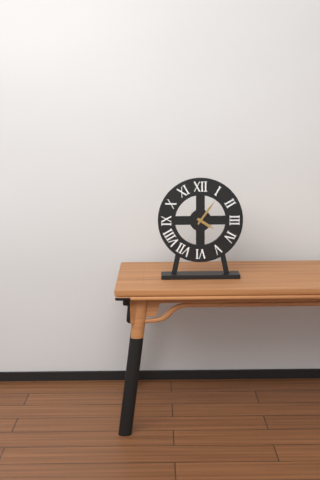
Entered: 4.06
